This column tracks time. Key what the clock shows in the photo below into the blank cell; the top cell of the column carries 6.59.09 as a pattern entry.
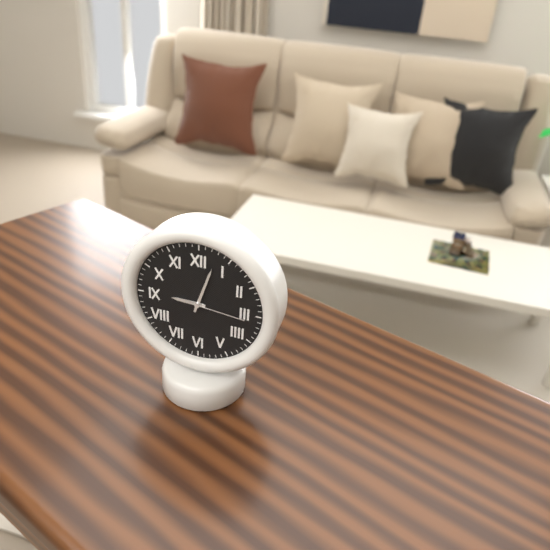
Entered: 9.03.16
